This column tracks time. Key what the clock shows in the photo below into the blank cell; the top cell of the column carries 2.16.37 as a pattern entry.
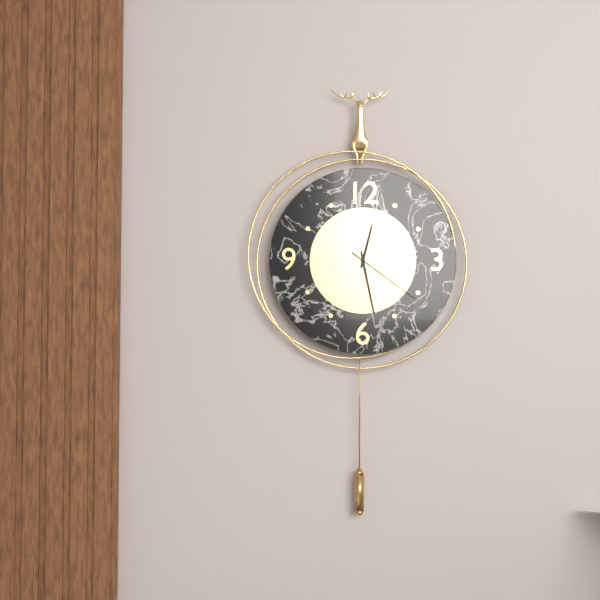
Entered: 12.28.21
